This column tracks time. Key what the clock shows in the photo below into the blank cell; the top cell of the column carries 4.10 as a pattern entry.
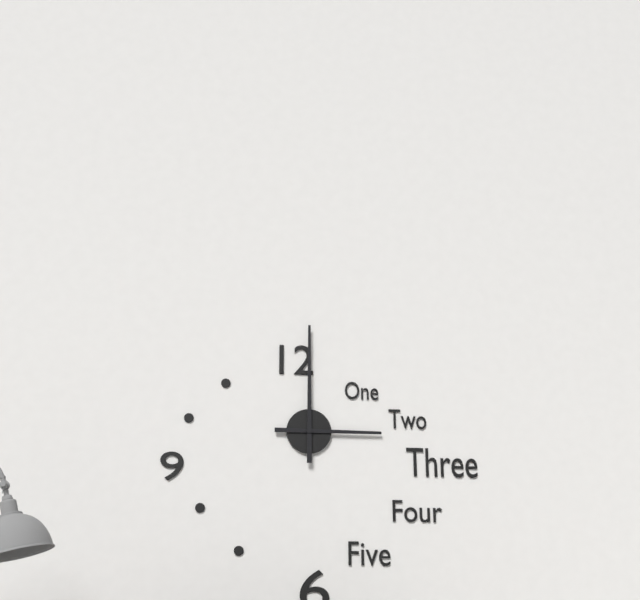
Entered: 3.00
